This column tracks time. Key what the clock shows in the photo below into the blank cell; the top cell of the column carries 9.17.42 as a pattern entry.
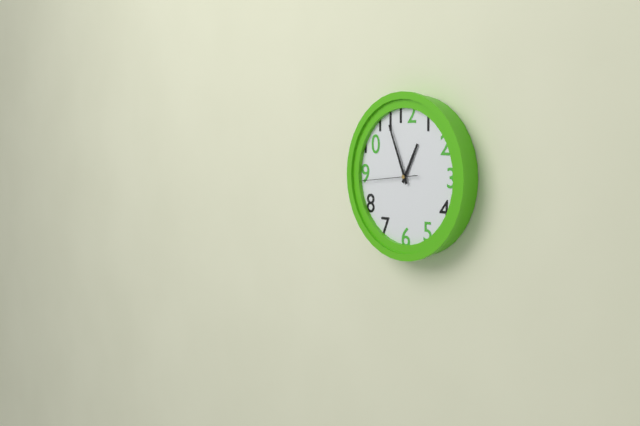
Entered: 12.56.44
